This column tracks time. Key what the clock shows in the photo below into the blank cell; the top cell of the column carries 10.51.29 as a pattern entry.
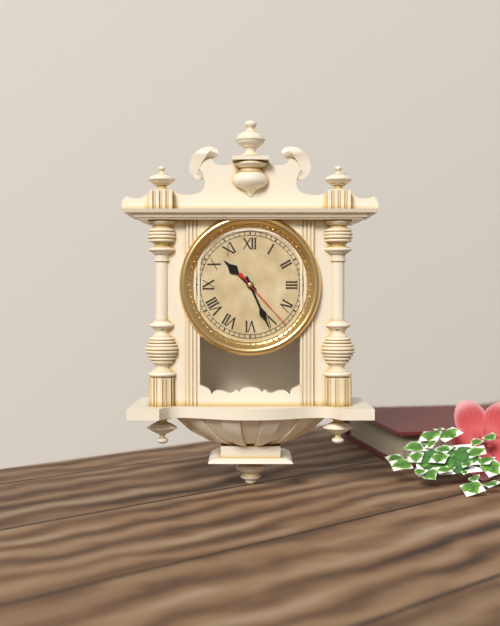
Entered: 10.26.23
